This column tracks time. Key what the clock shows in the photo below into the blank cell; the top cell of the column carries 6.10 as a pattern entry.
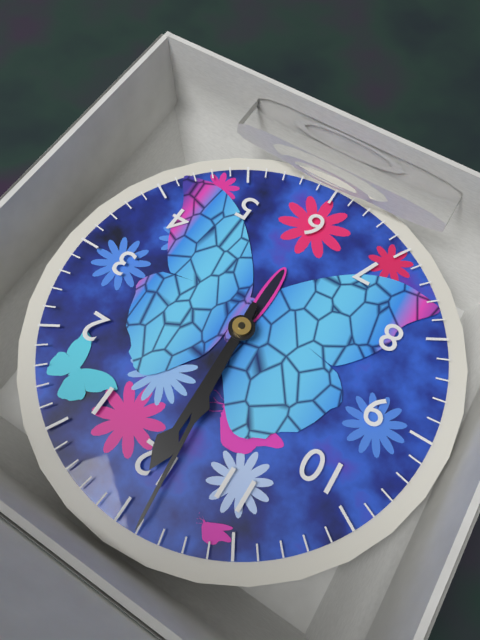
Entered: 11.59
